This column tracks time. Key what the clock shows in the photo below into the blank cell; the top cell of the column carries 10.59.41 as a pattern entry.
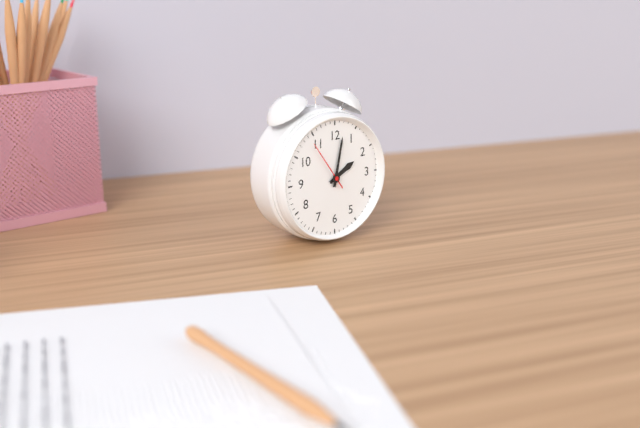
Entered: 2.02.54
